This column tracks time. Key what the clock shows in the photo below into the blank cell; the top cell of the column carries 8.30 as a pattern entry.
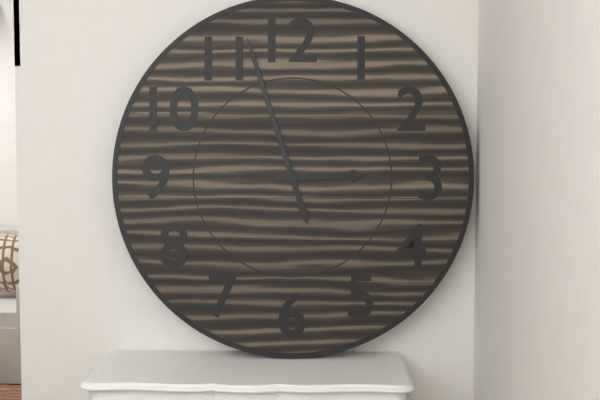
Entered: 2.57
